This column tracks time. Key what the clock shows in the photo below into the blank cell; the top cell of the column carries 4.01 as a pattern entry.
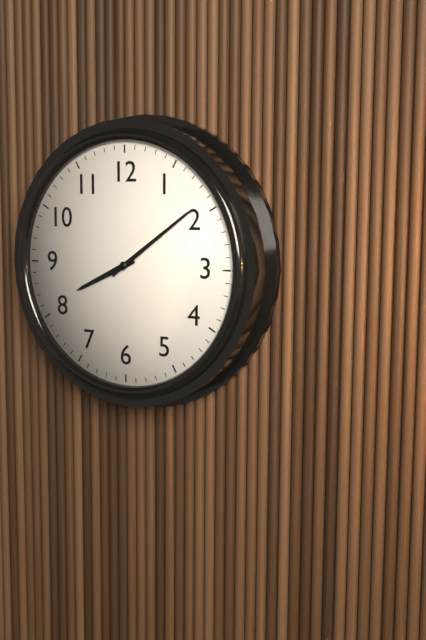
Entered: 8.09
